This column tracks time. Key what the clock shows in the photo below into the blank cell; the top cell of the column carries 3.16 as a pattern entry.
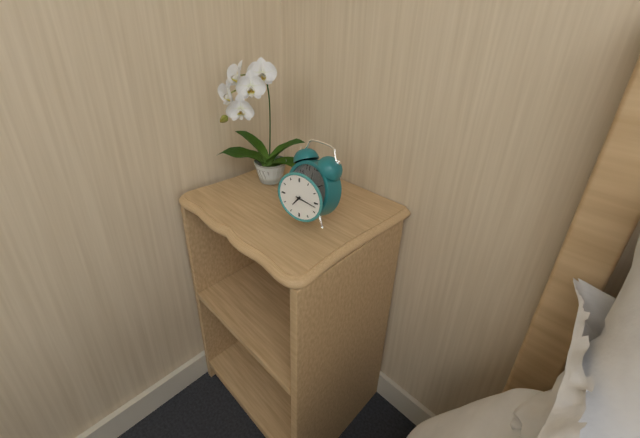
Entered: 7.17
